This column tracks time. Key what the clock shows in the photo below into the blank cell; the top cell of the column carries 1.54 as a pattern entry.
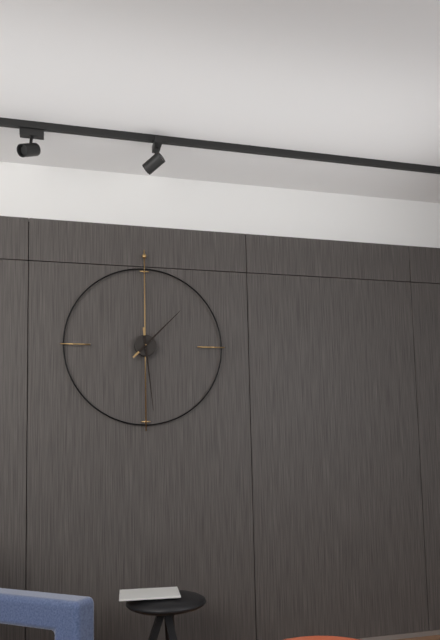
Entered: 1.29
